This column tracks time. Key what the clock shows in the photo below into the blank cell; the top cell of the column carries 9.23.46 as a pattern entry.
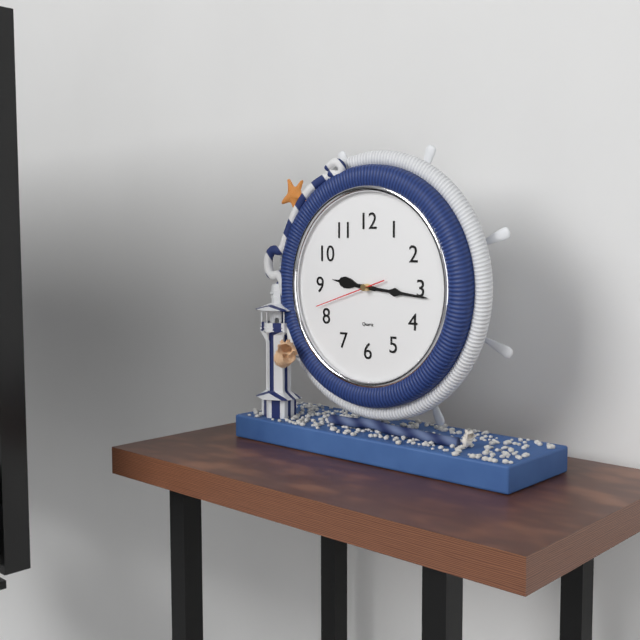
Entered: 9.16.42
